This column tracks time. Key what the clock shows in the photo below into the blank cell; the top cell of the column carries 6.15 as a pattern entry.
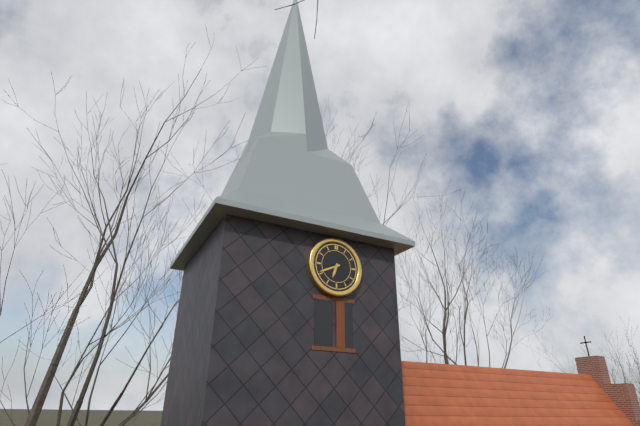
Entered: 6.41
